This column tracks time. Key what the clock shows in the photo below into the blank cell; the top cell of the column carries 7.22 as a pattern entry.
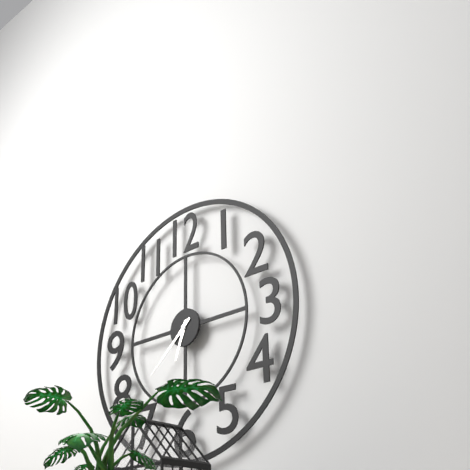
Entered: 6.38
